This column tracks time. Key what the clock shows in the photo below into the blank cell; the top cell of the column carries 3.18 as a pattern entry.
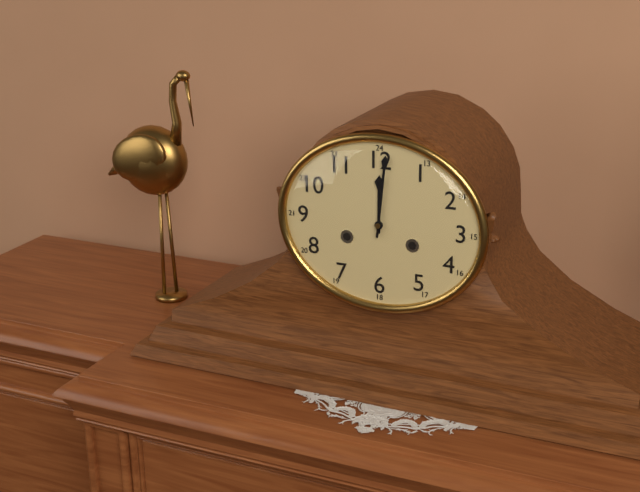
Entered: 12.01
